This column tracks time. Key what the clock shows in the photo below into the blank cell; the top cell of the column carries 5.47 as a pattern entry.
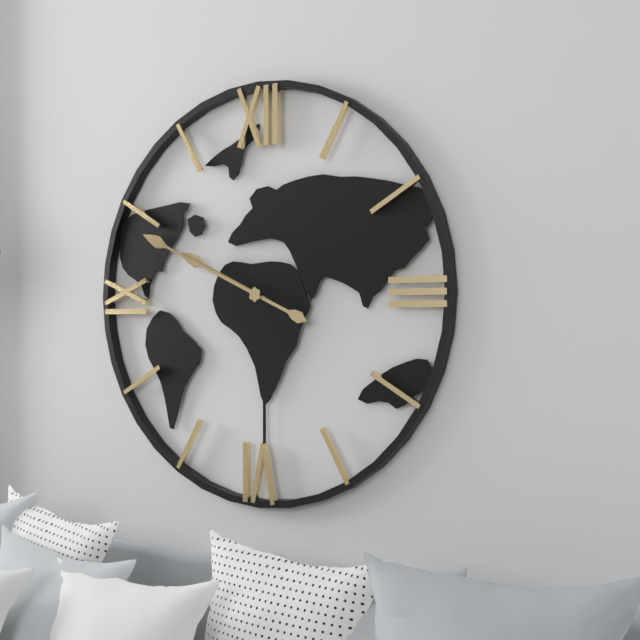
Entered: 9.49
